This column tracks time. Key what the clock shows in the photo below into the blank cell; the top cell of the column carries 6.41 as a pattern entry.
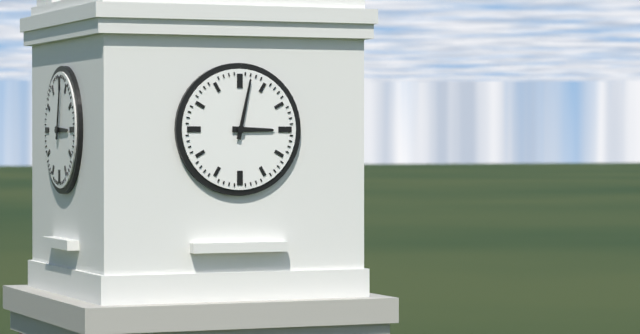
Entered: 3.02
